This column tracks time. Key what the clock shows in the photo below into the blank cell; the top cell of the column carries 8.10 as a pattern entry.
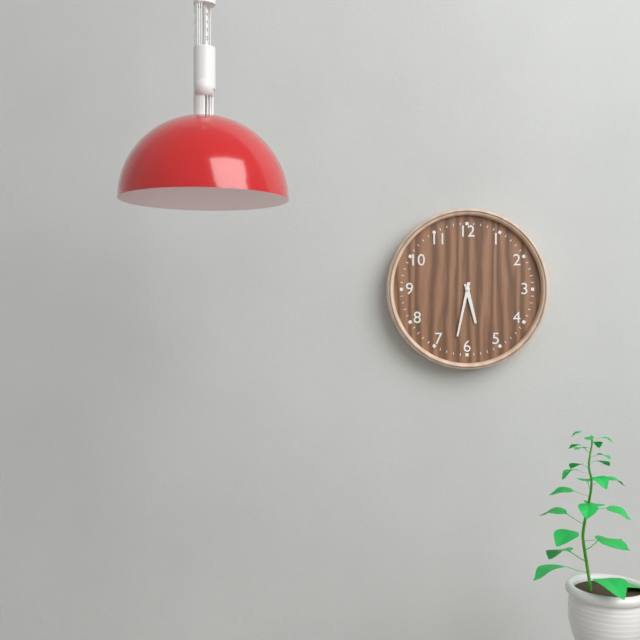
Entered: 5.32
